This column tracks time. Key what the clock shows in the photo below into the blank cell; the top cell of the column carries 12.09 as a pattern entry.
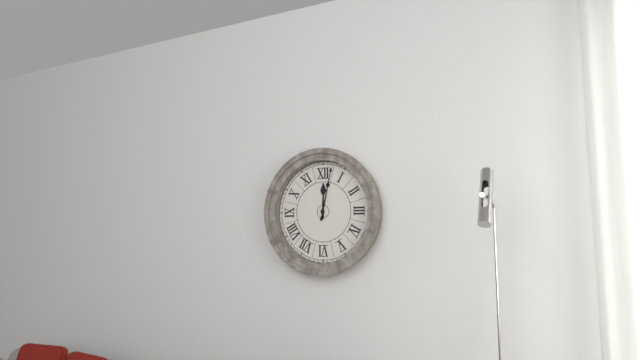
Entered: 12.02
